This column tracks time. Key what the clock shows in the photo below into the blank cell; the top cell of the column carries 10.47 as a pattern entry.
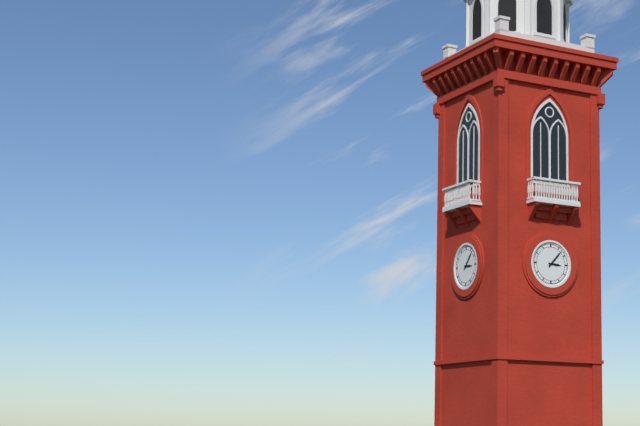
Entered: 3.07
